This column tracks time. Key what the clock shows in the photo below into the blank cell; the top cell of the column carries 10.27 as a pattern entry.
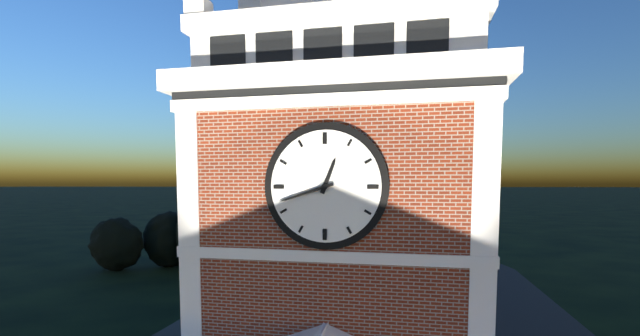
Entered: 12.42
